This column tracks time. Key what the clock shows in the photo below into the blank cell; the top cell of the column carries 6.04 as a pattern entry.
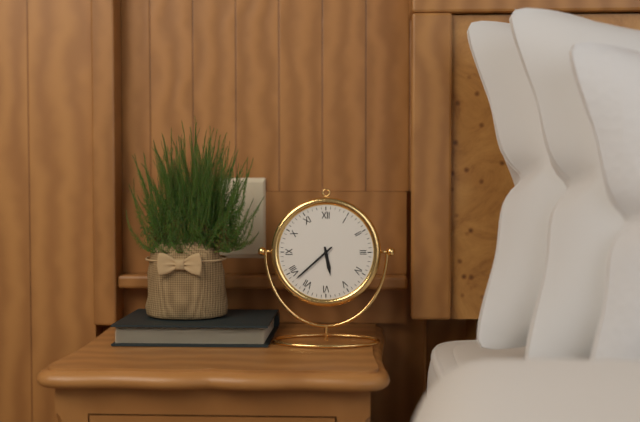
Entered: 5.38
